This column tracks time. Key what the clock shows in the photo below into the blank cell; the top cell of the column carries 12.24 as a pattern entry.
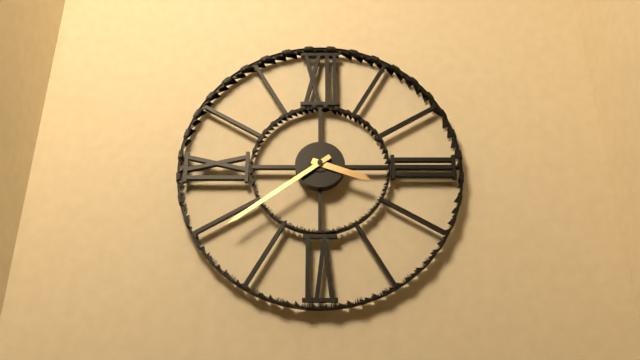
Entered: 3.39
